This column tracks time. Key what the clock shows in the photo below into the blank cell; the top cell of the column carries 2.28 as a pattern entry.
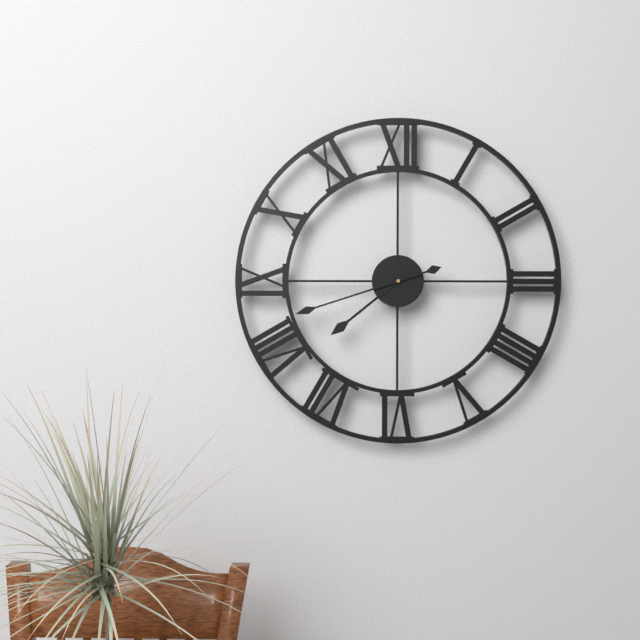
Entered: 7.42
